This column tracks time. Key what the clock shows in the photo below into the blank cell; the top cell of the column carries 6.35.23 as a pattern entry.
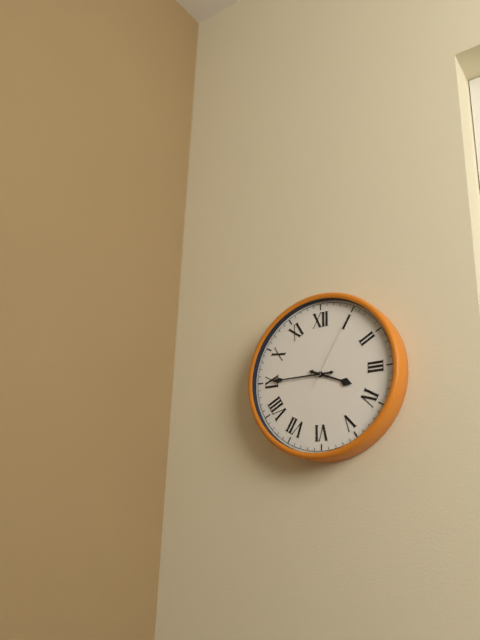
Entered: 3.45.05
